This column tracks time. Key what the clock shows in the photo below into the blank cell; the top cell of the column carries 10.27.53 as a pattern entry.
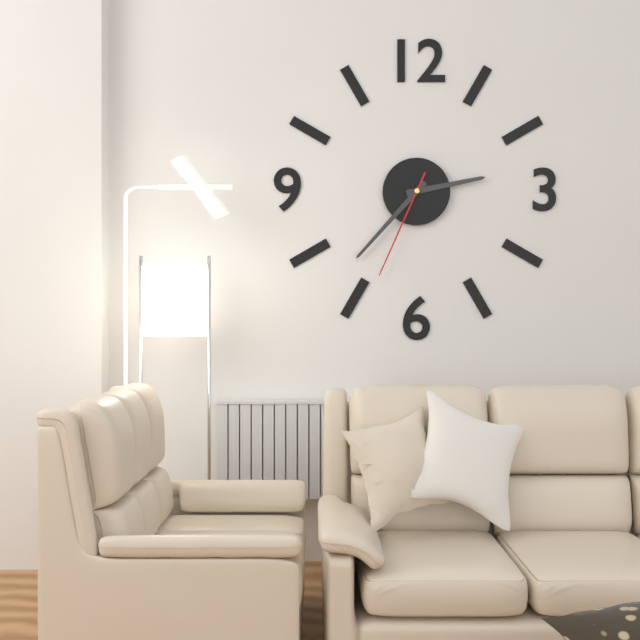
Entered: 2.37.34
